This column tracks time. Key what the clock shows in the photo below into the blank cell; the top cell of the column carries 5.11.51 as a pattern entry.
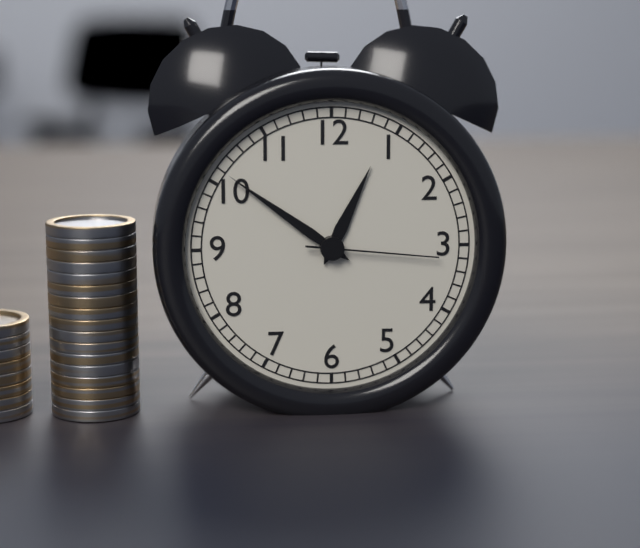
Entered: 12.51.16
